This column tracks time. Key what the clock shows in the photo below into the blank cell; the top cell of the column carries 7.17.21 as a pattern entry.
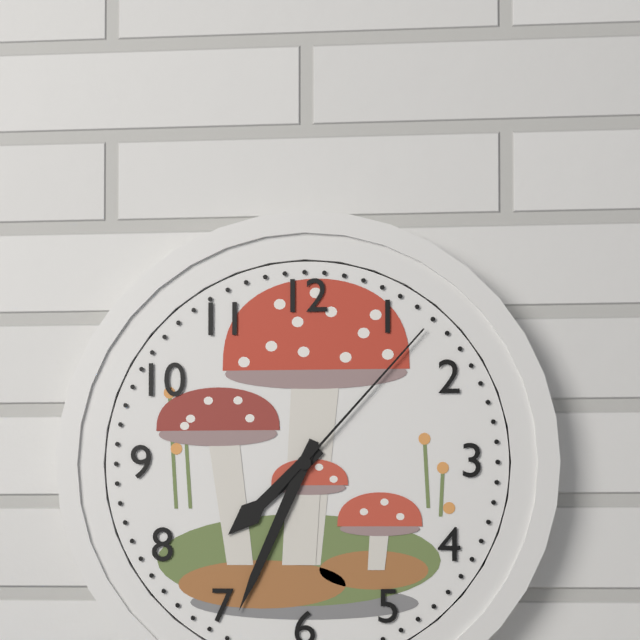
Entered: 7.34.07
